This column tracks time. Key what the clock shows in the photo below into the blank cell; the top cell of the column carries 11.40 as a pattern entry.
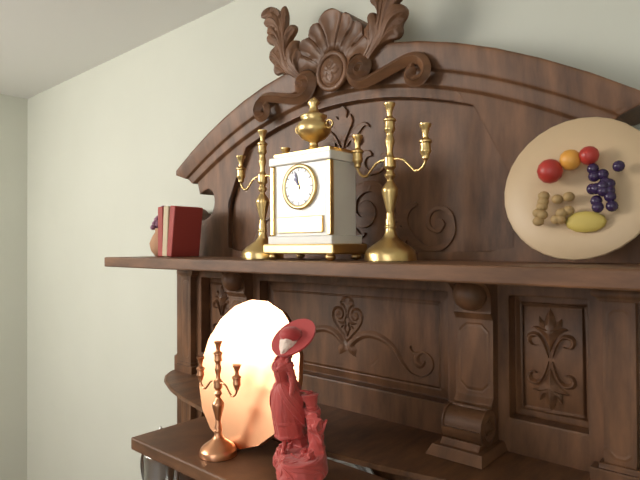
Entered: 10.57
